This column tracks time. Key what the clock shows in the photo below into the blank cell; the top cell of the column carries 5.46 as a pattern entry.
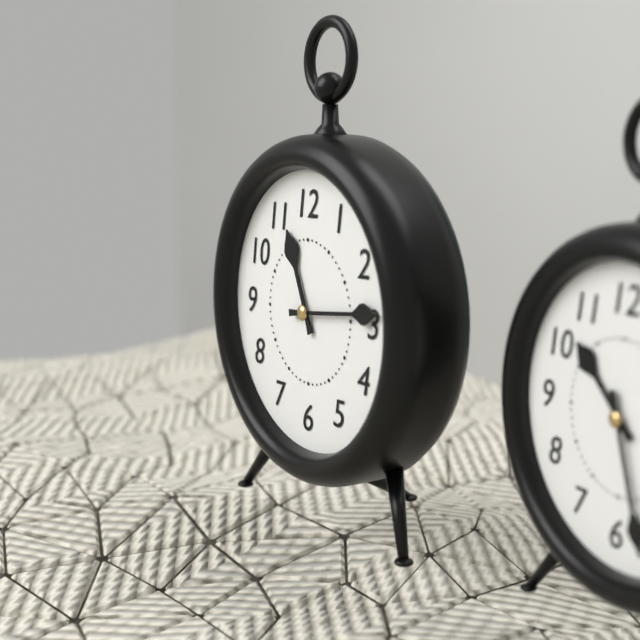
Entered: 11.14
